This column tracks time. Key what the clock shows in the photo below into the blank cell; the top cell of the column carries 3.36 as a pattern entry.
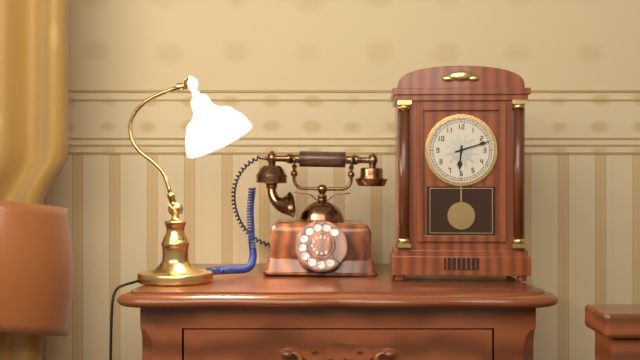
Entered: 6.12
